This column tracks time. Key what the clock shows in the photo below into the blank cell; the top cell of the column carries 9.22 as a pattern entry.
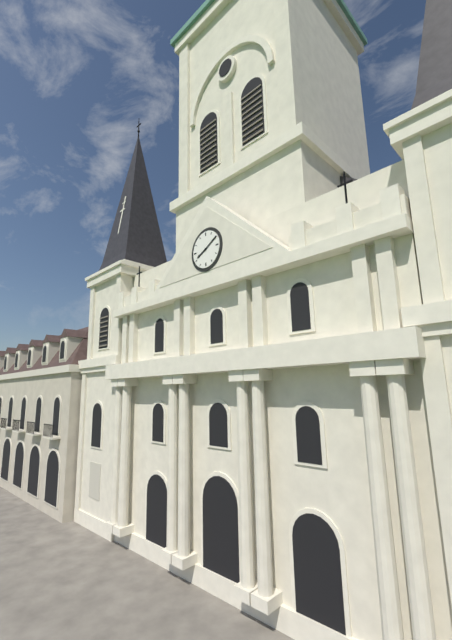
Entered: 8.10
